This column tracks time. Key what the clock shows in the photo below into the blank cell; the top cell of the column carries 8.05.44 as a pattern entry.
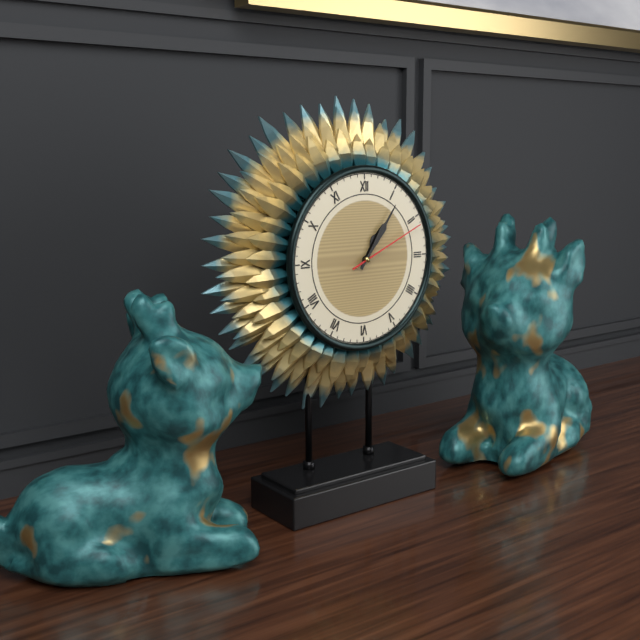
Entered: 1.06.11
